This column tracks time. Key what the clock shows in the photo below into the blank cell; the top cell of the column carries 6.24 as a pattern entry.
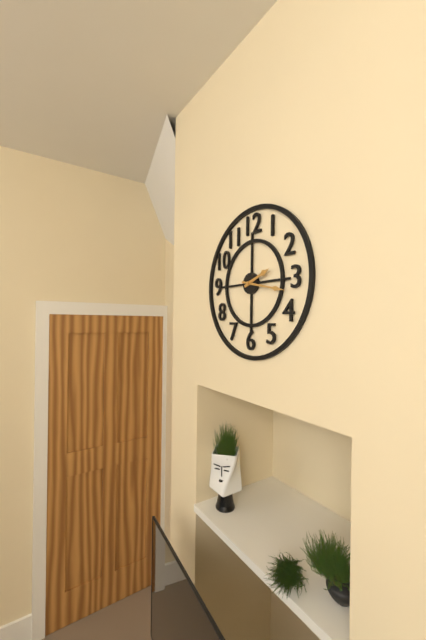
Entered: 2.17
